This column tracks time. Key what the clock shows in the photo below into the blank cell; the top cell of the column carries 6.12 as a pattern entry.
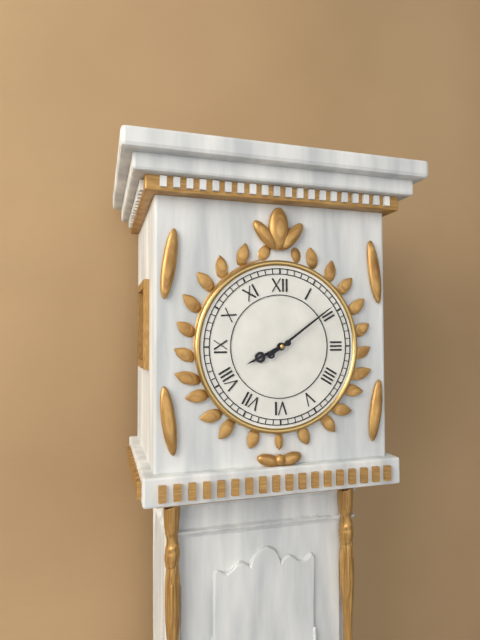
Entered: 8.09
